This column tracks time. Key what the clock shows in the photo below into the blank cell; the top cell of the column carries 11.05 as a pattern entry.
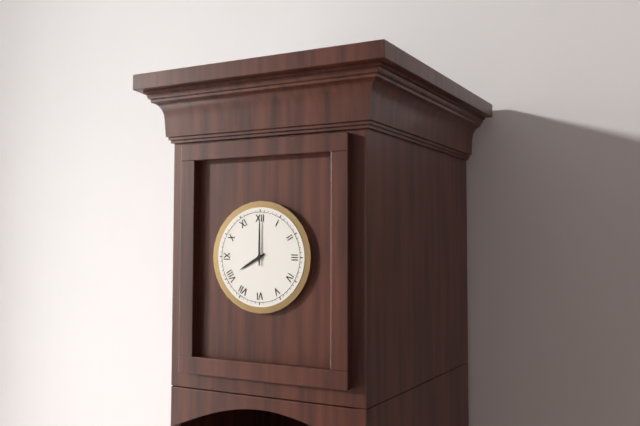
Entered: 8.00
